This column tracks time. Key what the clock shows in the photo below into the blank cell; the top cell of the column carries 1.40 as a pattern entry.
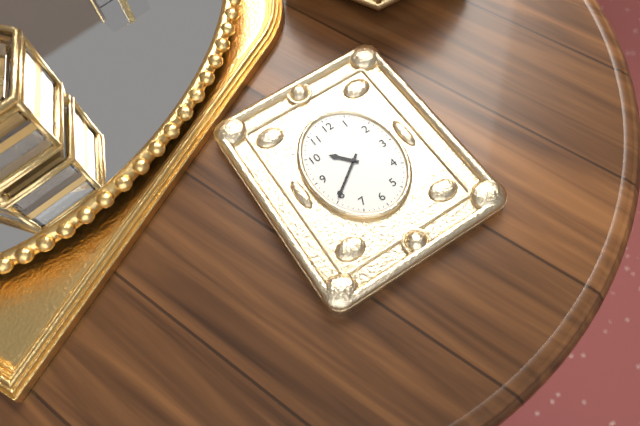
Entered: 10.39
